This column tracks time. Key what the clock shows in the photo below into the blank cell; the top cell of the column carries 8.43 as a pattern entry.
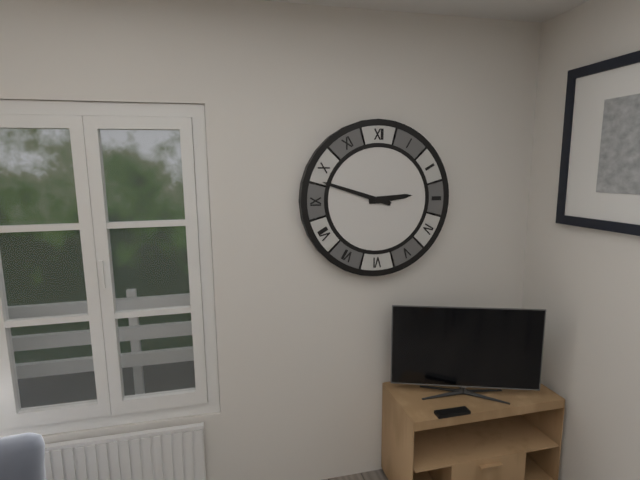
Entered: 2.48
